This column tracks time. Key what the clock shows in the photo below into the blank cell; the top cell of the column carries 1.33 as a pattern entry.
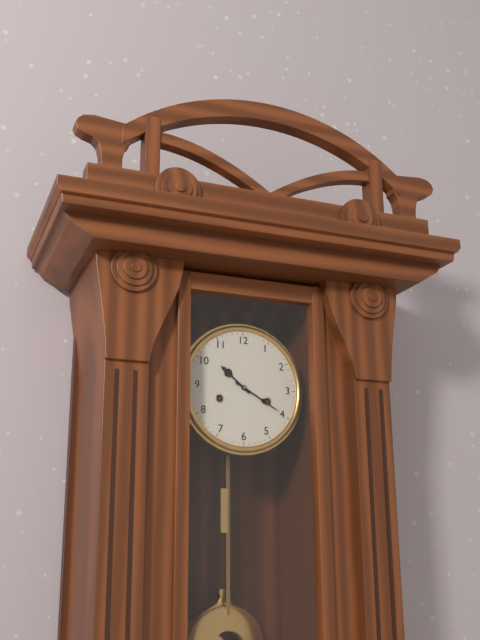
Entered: 10.20
